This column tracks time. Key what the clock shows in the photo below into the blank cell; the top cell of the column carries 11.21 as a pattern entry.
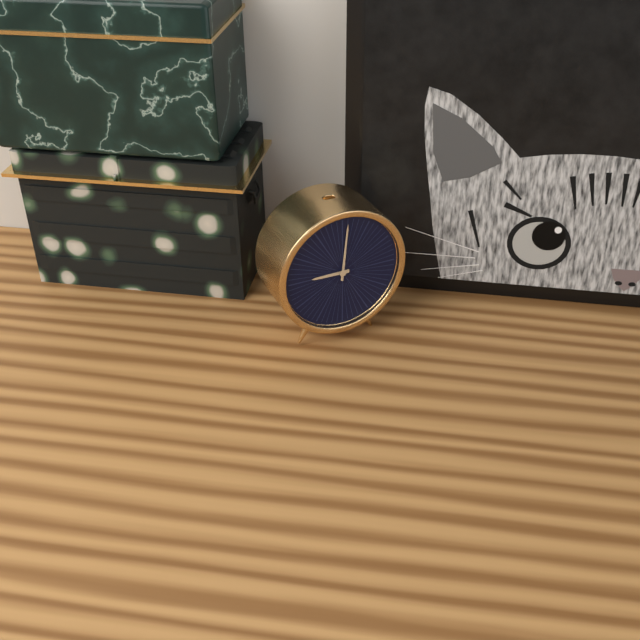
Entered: 9.01
